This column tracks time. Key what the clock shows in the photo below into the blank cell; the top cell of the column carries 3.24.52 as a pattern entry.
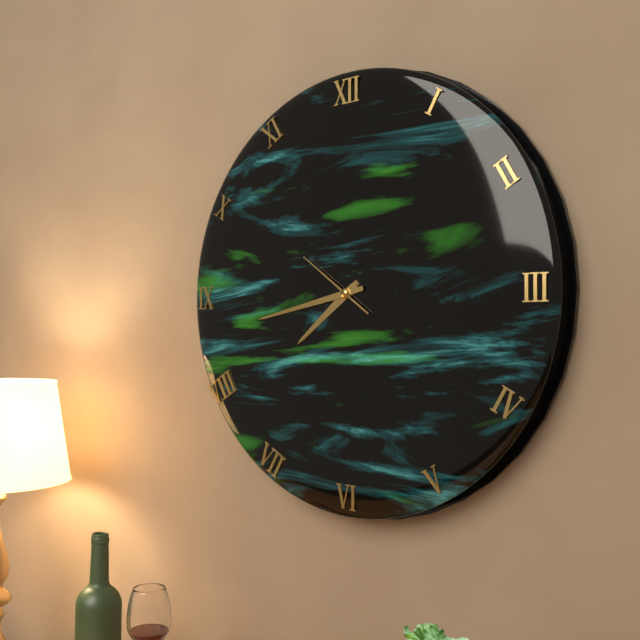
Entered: 7.43.51
